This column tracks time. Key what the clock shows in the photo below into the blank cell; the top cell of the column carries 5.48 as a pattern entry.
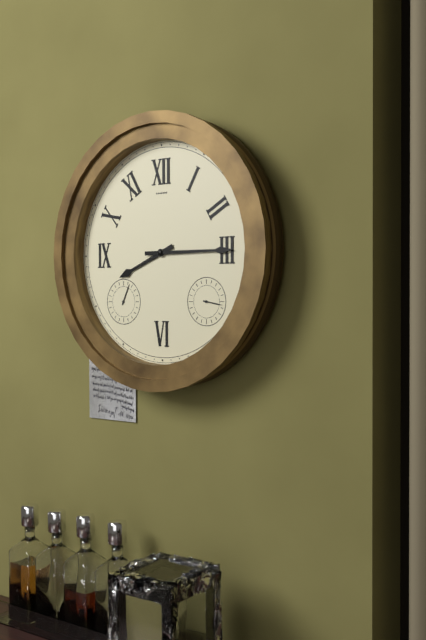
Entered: 8.15
